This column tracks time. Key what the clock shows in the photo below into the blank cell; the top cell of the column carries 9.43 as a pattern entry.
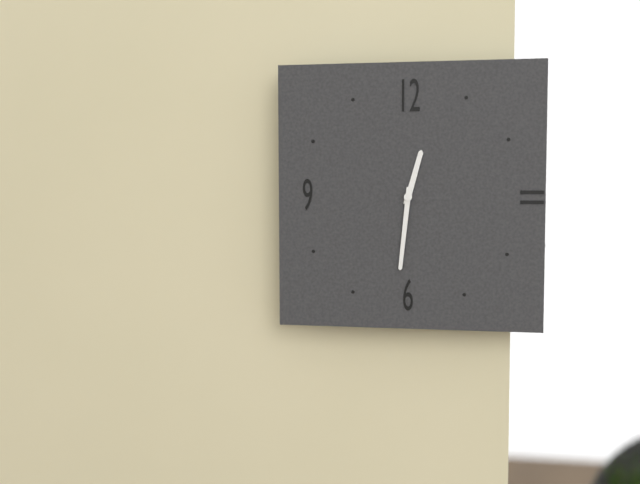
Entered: 12.31
